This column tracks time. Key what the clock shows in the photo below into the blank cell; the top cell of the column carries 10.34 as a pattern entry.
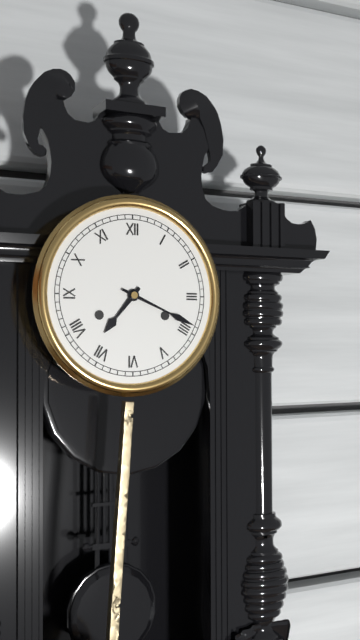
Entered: 7.19
